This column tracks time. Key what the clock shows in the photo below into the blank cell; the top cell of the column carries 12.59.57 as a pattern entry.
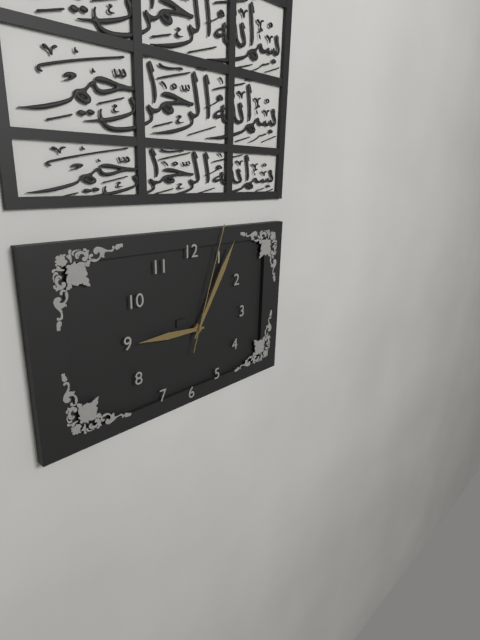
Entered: 9.05.03
